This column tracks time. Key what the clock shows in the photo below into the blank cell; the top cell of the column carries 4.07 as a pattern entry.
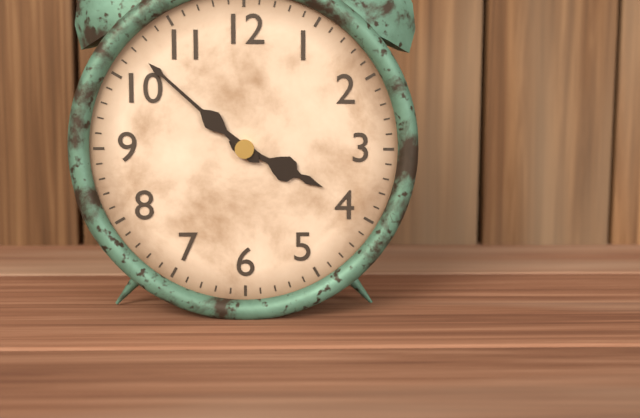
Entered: 3.52
